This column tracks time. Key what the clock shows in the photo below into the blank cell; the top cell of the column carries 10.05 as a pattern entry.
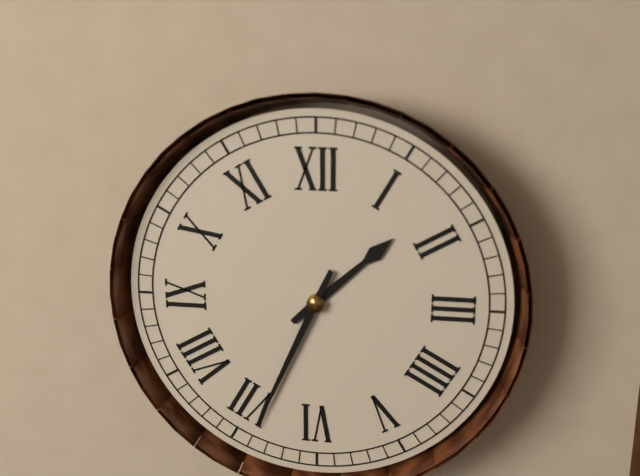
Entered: 1.34
